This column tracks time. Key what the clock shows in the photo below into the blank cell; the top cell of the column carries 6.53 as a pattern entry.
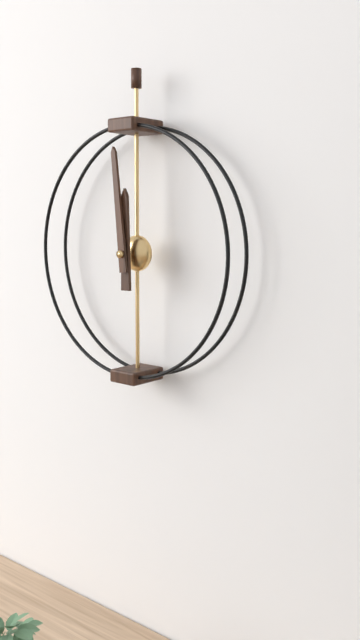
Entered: 11.59
